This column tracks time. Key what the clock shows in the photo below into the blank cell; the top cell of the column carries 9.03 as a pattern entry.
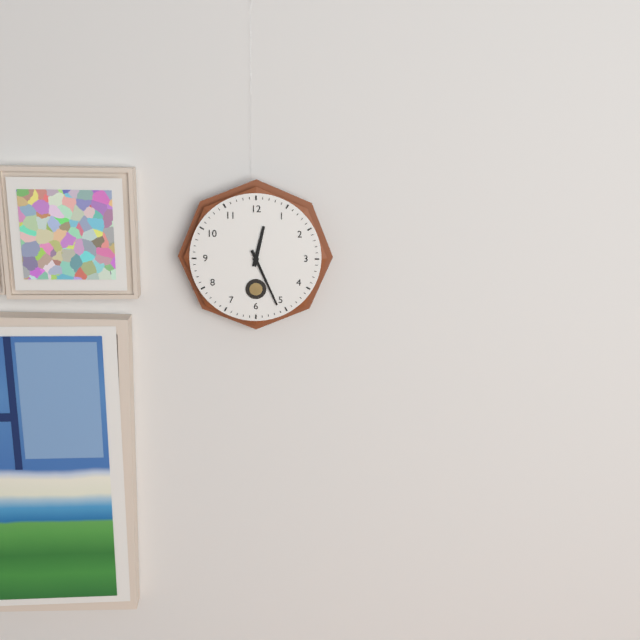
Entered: 12.26
